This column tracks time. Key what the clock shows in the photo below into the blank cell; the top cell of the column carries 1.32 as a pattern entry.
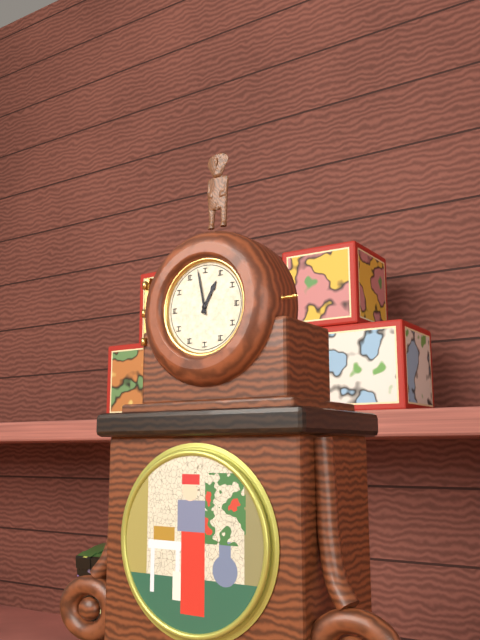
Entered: 12.58
